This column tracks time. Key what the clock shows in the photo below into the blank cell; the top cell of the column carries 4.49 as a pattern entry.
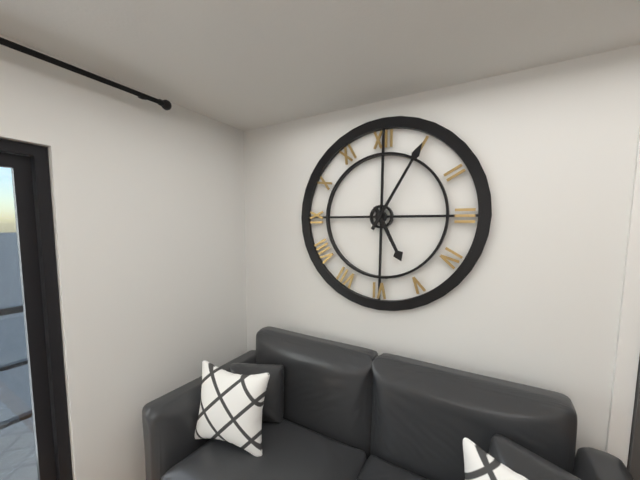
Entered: 5.05
